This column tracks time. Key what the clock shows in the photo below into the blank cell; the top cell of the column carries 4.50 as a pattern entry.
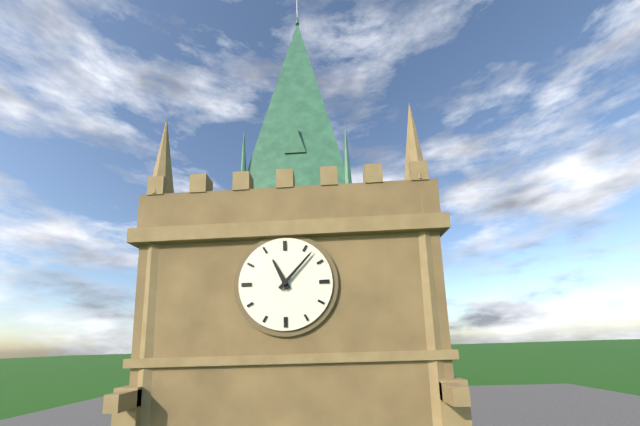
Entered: 11.07
